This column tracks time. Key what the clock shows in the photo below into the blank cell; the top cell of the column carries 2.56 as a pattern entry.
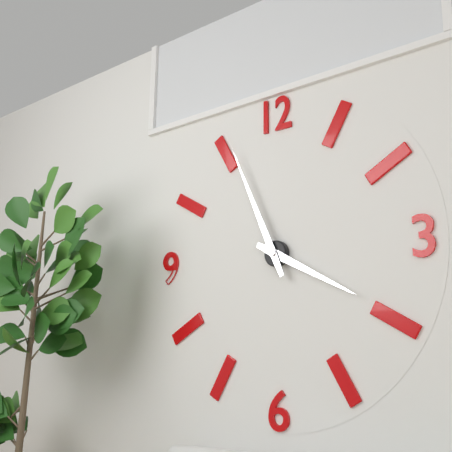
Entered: 3.56
